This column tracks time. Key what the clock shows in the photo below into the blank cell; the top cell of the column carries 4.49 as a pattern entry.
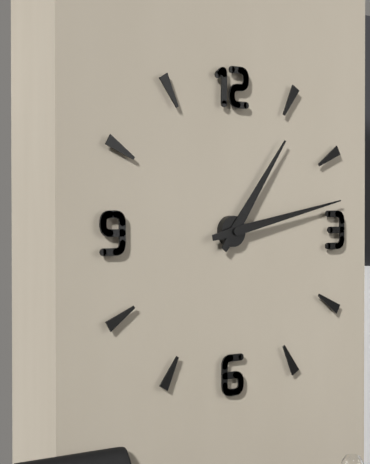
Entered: 1.13
